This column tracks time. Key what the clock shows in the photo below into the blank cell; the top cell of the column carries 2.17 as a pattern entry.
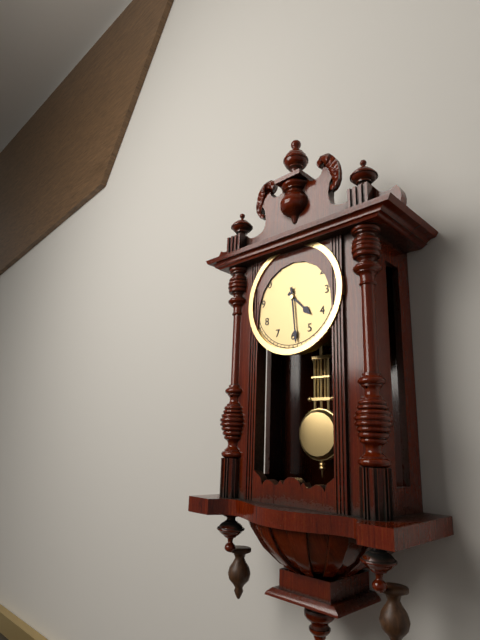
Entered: 4.29
